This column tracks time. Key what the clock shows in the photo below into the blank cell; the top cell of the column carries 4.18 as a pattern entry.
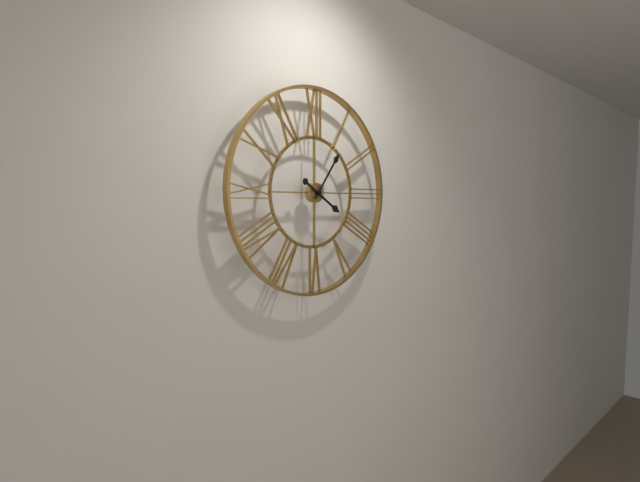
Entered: 4.06
